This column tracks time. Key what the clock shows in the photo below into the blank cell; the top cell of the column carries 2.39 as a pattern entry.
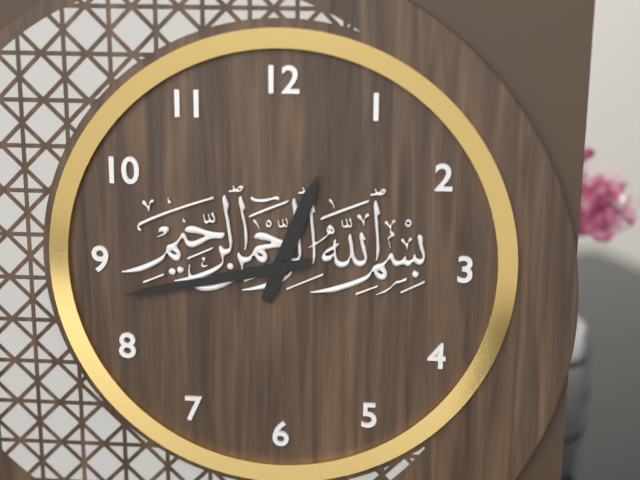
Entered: 12.43
